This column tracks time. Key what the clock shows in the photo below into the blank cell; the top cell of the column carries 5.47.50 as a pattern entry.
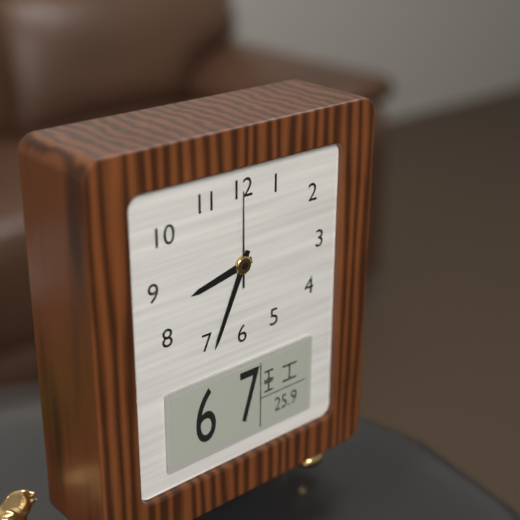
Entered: 8.34.00
